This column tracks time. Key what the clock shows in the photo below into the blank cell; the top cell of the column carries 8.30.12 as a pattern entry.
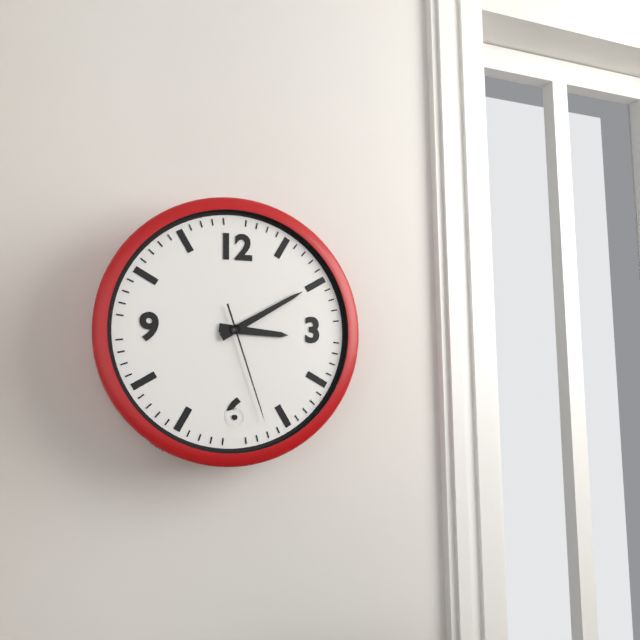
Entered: 3.10.27
